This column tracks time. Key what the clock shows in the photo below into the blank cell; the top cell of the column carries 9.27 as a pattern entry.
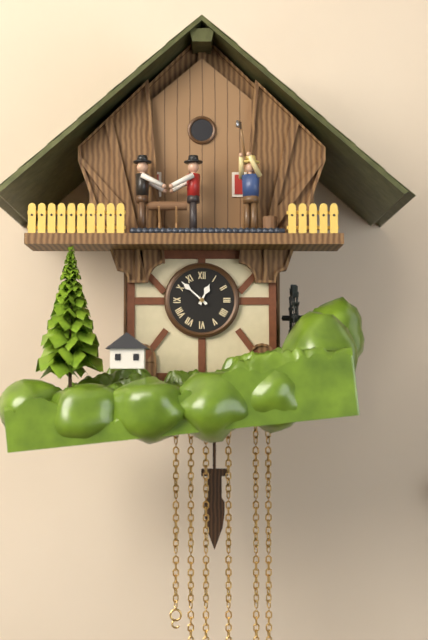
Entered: 12.52
